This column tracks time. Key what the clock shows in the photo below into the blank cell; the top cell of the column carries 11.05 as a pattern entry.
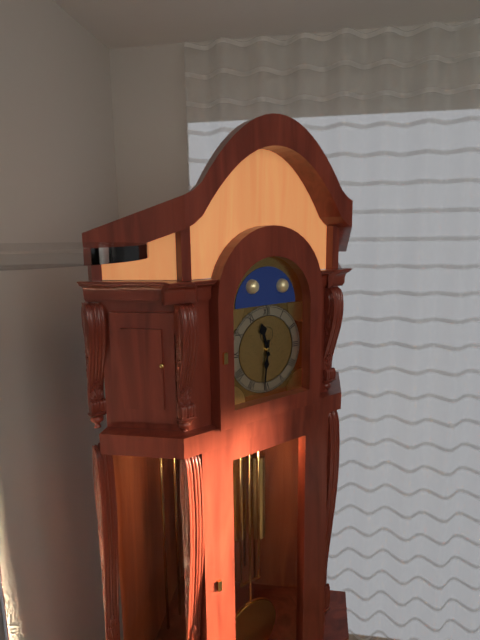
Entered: 11.31
